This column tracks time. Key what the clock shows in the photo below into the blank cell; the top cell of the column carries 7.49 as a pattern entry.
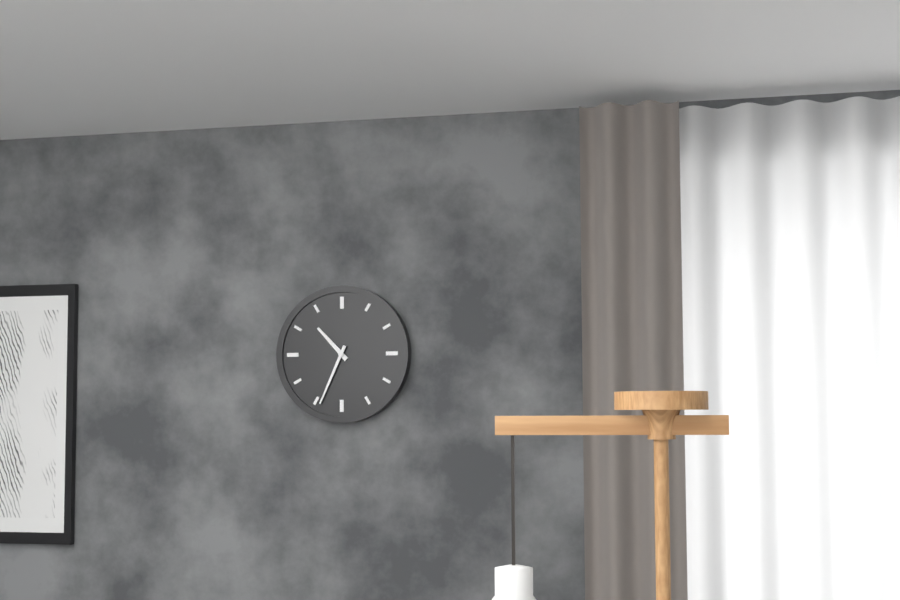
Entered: 10.34
